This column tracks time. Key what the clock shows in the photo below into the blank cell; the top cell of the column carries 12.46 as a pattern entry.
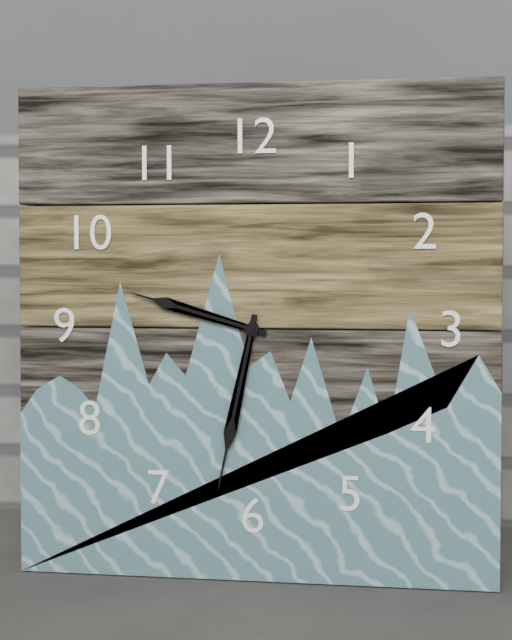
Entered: 9.32
